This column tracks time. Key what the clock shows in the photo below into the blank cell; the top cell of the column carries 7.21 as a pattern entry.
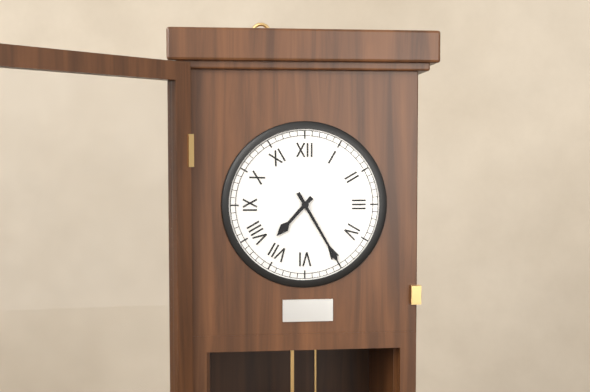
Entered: 7.25
